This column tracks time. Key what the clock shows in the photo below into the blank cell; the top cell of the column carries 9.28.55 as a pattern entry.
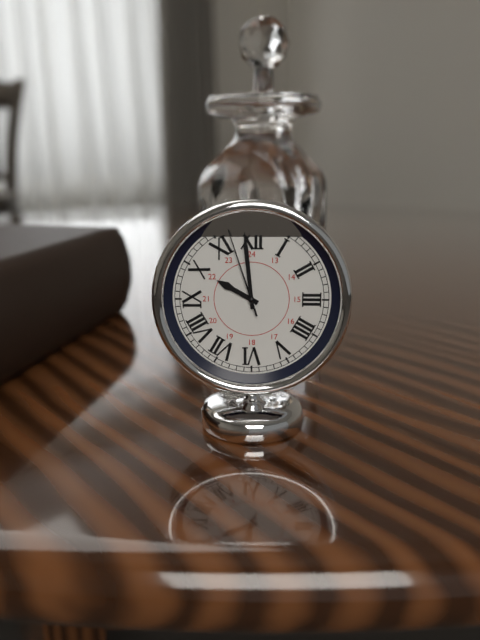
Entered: 9.59.57
